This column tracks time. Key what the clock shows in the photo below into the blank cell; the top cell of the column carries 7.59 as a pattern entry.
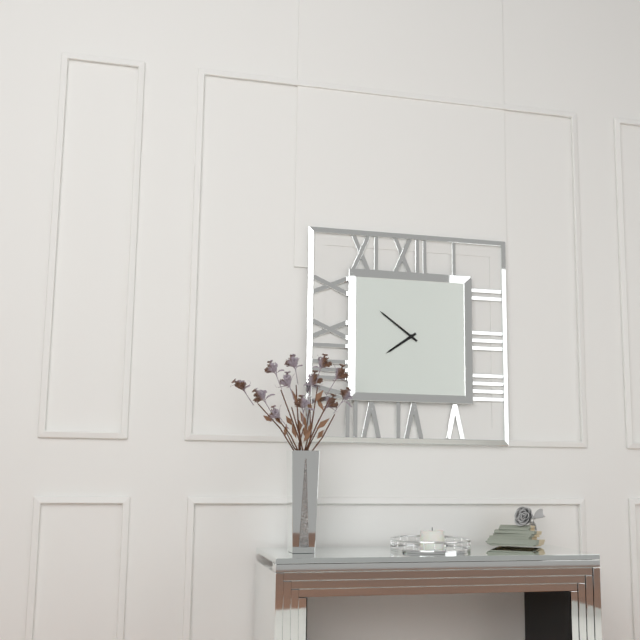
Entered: 7.51
